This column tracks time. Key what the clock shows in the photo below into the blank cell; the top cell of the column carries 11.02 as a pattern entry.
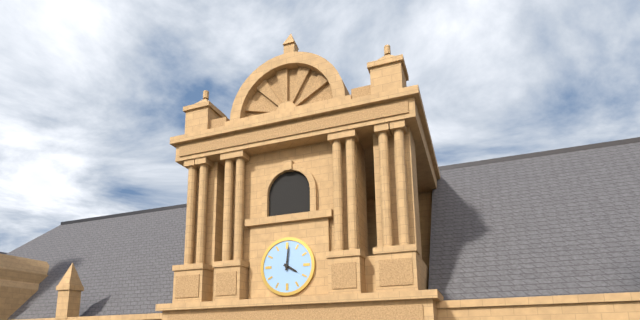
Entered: 4.01
